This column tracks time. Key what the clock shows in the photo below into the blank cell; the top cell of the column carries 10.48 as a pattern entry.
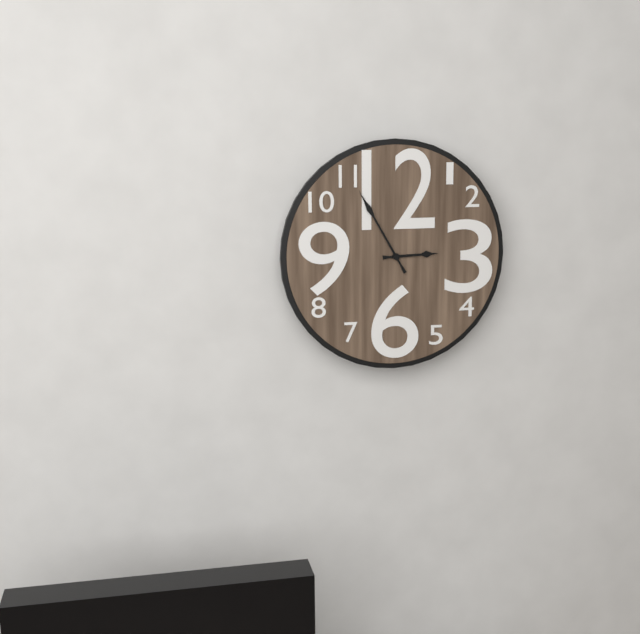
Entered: 2.55
